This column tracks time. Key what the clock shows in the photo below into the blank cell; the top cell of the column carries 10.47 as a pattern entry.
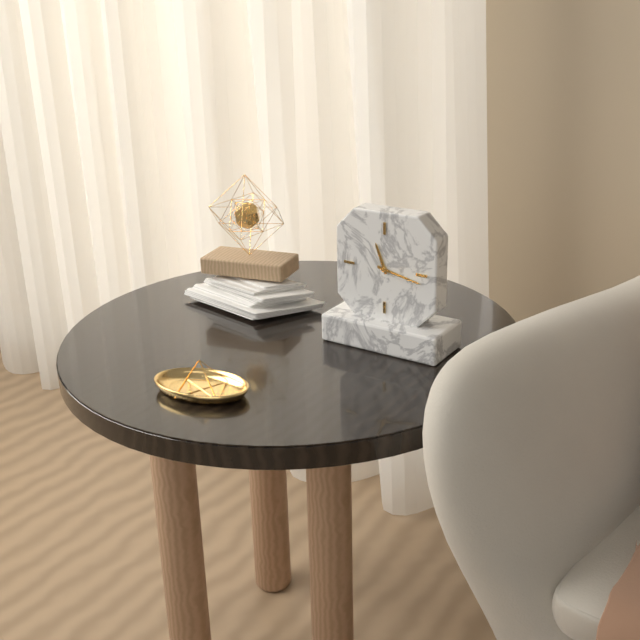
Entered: 11.17
